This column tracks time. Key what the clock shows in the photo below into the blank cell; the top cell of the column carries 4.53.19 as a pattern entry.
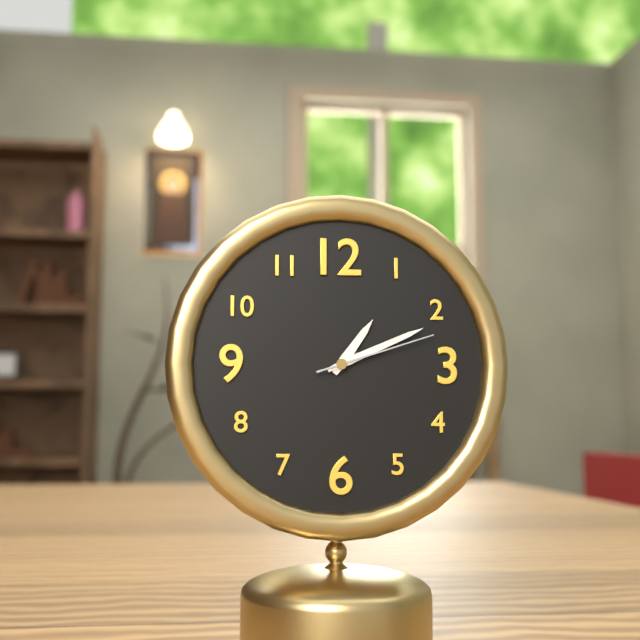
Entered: 1.11.12
